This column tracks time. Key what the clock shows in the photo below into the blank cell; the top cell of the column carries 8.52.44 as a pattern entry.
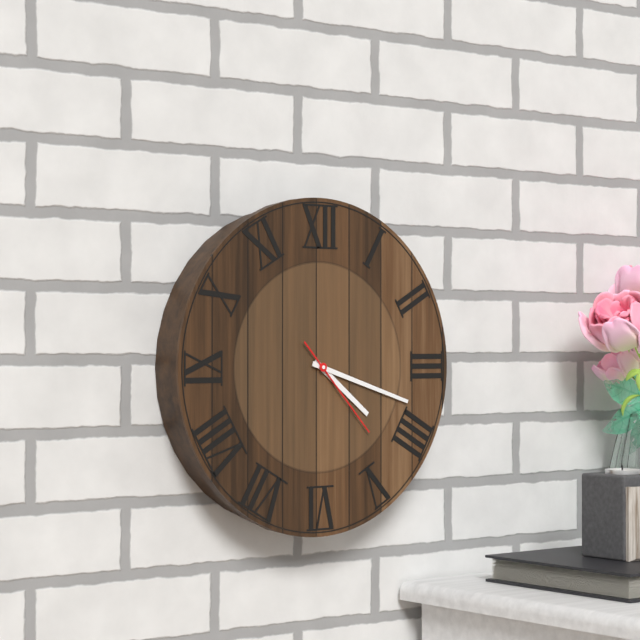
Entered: 4.18.23
